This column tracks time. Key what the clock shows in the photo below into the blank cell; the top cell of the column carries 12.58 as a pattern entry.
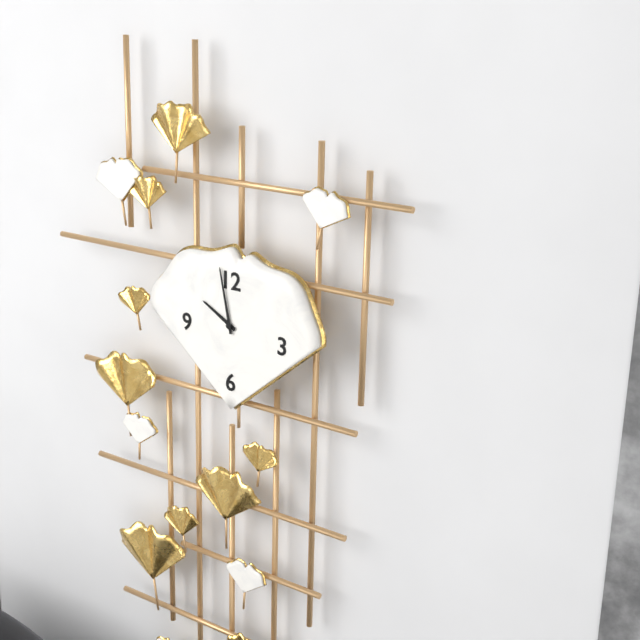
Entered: 9.58
